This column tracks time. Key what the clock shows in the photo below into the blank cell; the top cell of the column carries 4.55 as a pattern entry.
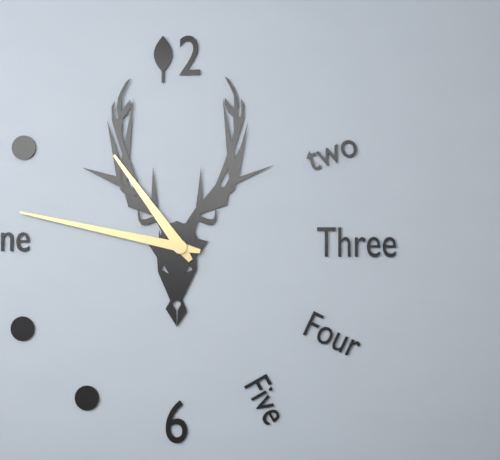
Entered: 10.47
